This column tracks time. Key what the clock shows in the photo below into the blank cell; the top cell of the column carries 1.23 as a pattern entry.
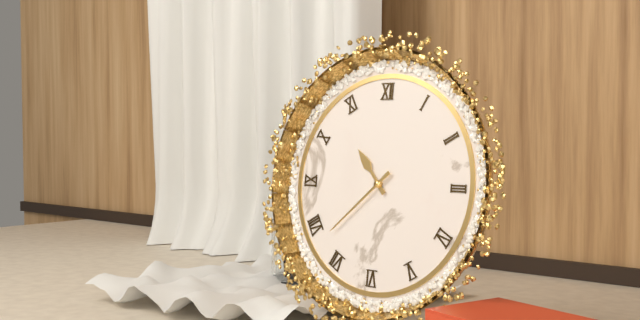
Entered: 10.38
